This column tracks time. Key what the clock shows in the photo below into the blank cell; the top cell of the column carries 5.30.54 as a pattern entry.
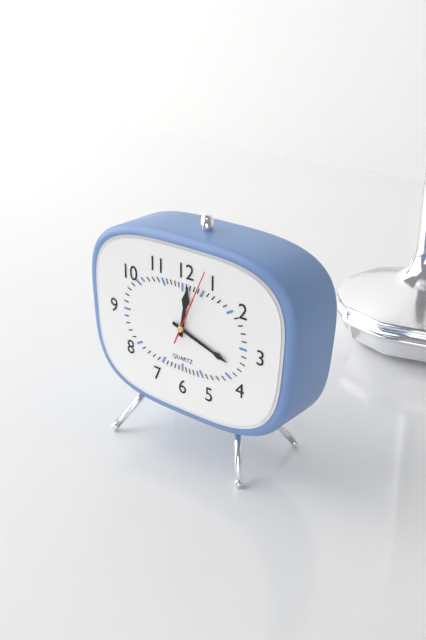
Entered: 12.18.04
